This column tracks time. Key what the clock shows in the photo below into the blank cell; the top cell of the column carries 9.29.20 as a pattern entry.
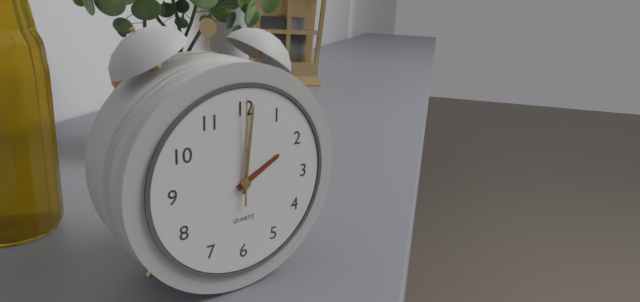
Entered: 2.01.00
